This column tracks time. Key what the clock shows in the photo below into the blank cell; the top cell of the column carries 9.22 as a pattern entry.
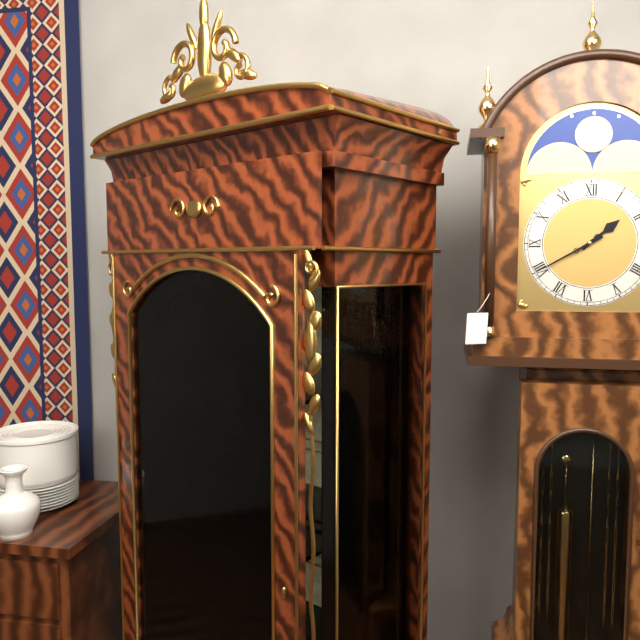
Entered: 1.40
